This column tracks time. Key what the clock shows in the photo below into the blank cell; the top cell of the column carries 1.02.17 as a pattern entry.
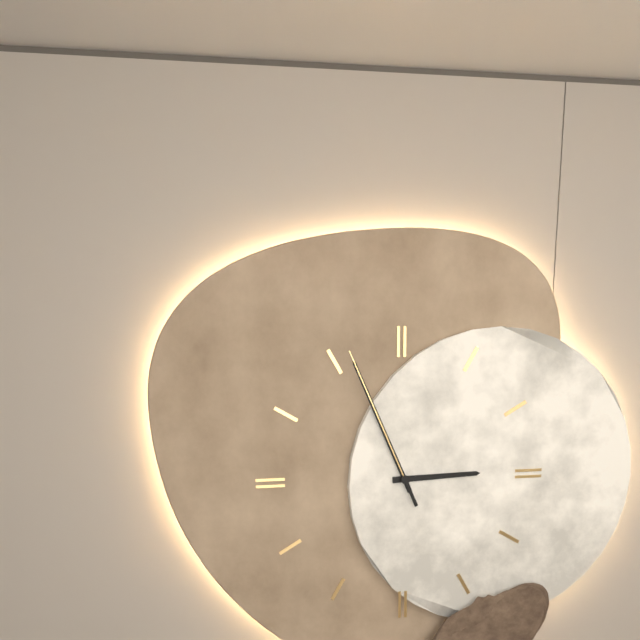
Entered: 2.56.56
